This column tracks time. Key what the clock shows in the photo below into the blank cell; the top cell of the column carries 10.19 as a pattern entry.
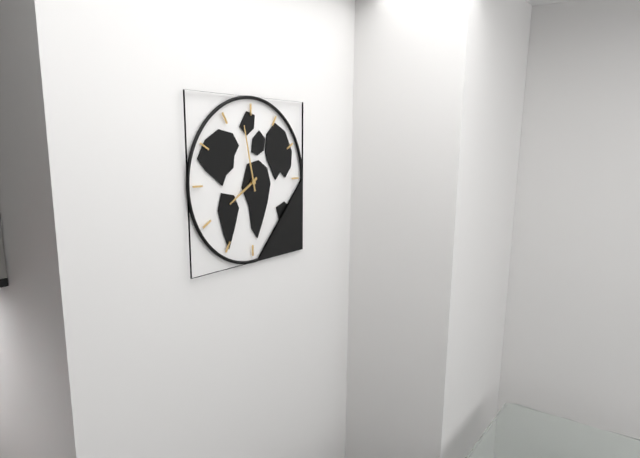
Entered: 7.58
